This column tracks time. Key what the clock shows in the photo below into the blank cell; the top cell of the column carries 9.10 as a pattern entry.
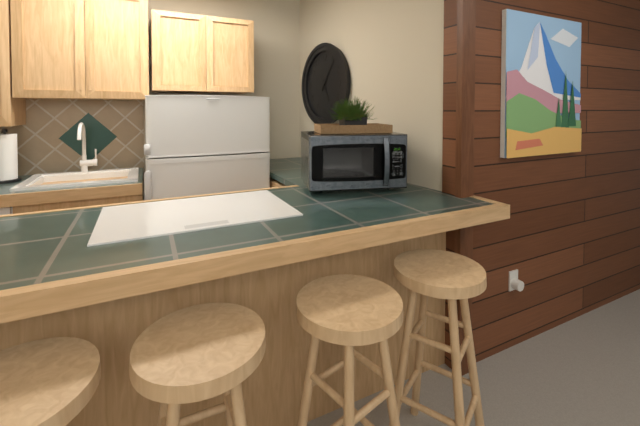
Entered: 5.06
